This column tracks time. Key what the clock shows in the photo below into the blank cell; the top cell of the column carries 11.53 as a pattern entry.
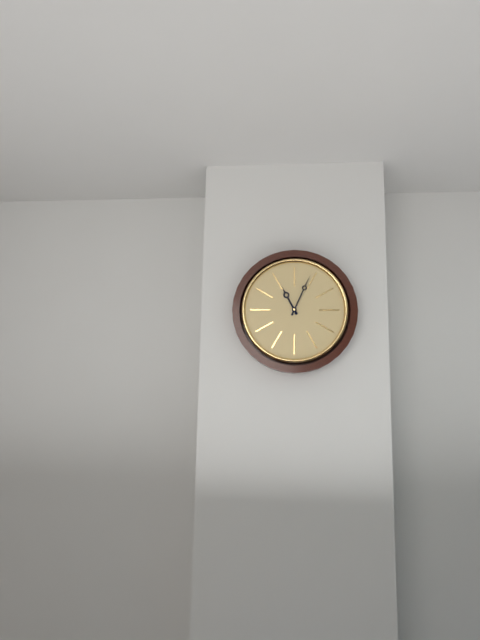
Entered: 11.04
